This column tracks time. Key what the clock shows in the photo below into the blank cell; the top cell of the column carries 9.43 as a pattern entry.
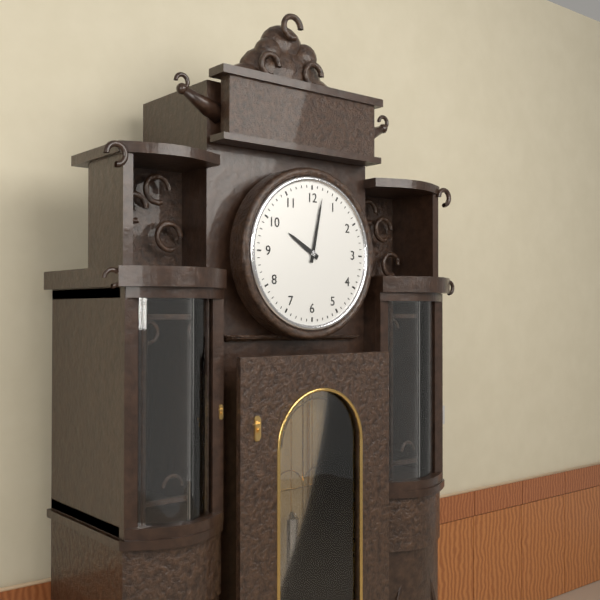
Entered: 10.02
